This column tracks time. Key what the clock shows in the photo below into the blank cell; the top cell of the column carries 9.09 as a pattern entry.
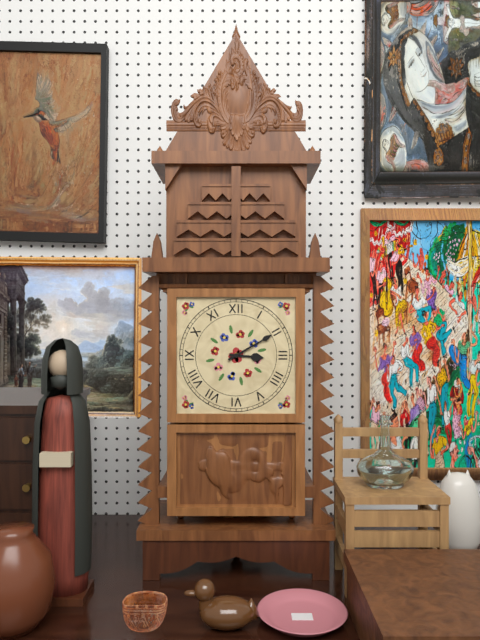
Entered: 3.10
